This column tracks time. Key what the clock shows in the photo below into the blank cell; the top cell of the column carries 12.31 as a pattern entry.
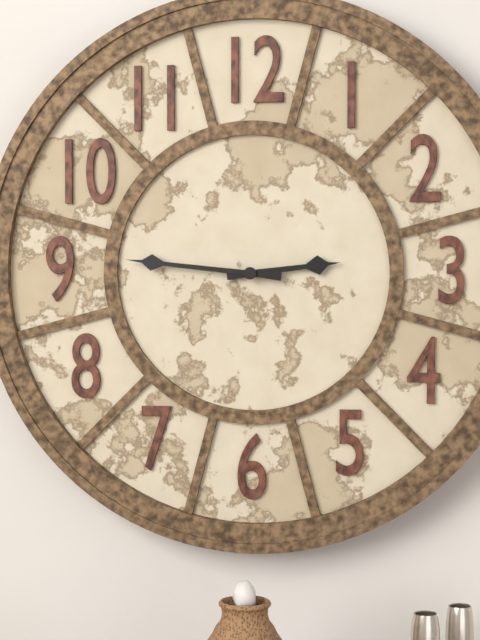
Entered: 2.46
